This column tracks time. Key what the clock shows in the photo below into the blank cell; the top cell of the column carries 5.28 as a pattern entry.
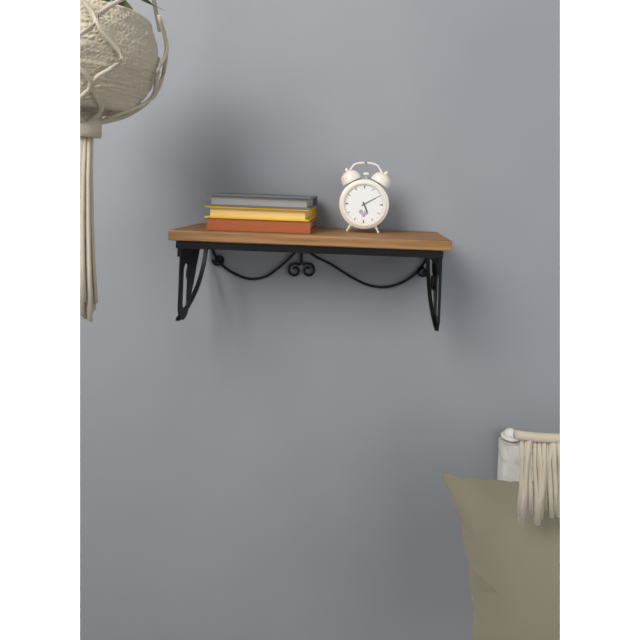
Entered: 5.10
